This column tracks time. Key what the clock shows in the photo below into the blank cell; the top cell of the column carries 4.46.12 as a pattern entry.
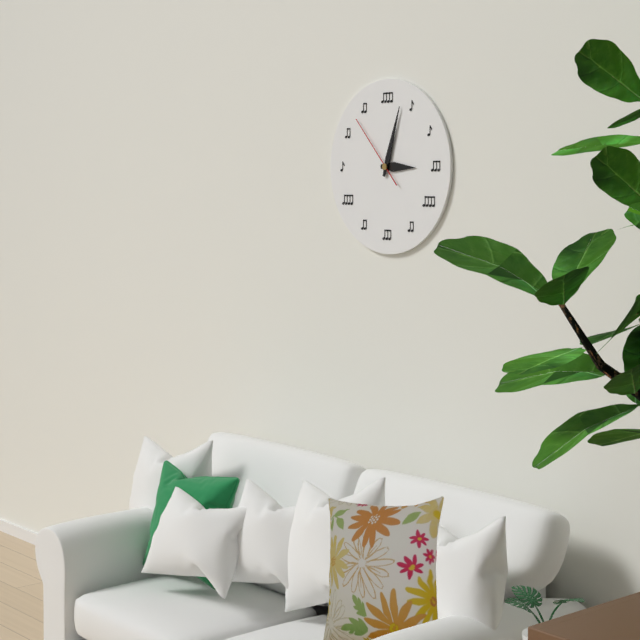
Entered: 3.03.53
